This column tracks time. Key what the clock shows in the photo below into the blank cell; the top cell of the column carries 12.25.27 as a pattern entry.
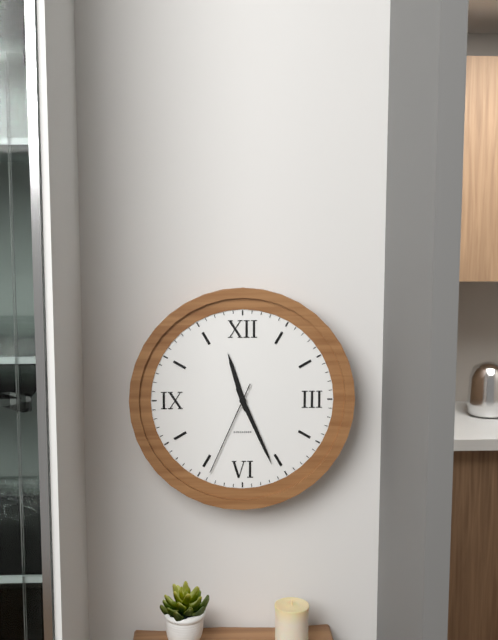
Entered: 11.26.34
